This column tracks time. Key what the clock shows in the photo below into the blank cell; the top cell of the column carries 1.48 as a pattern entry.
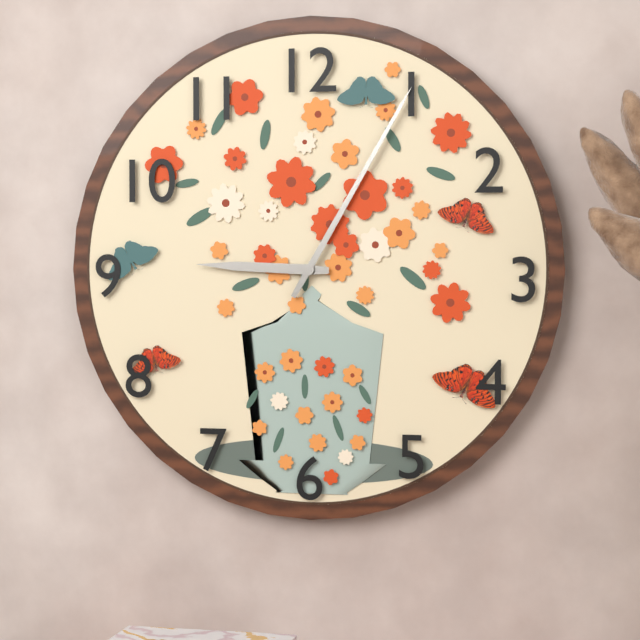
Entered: 9.05
